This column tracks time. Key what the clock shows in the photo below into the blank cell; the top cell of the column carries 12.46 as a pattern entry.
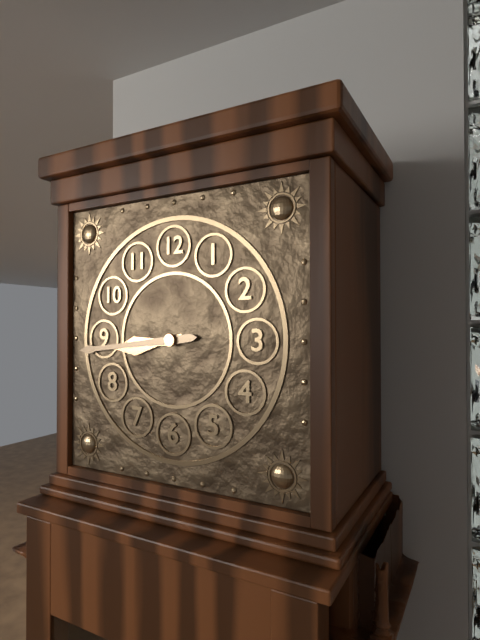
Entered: 8.44
